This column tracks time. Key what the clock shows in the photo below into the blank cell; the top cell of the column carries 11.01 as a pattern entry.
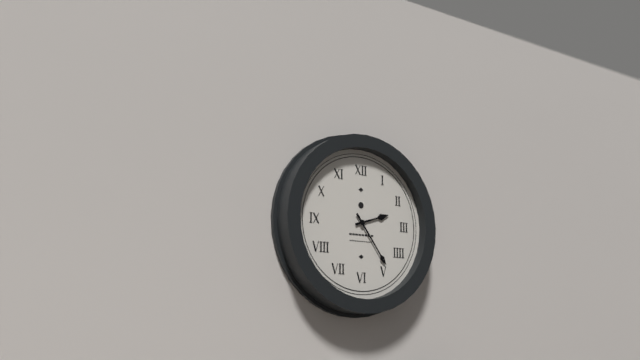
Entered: 2.24
